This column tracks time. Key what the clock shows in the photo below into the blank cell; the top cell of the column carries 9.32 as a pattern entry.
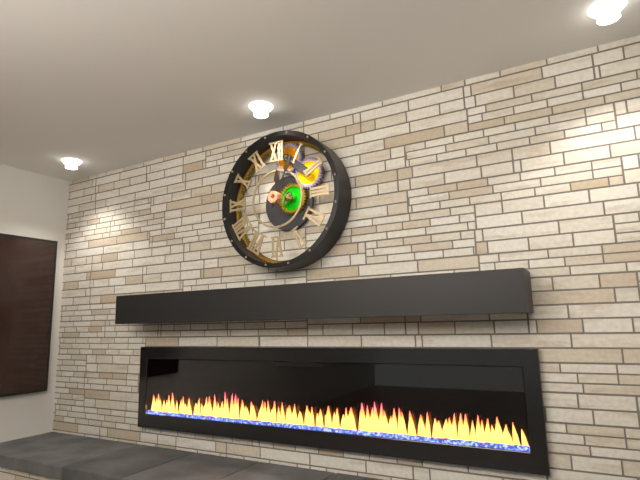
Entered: 12.04
